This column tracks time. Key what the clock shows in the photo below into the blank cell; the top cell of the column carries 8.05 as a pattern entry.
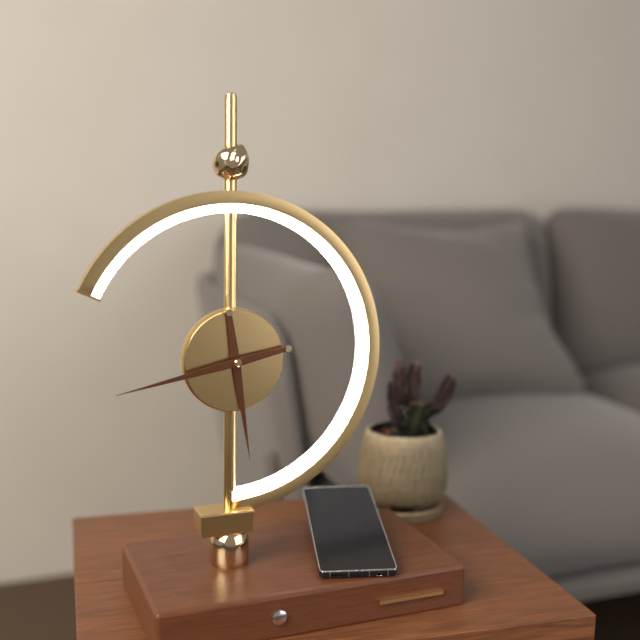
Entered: 5.43
